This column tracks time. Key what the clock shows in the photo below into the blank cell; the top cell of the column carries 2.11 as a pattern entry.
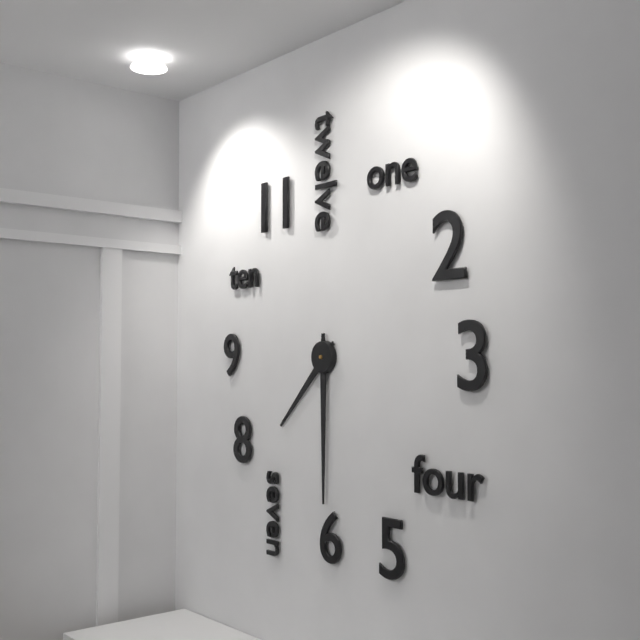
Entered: 7.30
